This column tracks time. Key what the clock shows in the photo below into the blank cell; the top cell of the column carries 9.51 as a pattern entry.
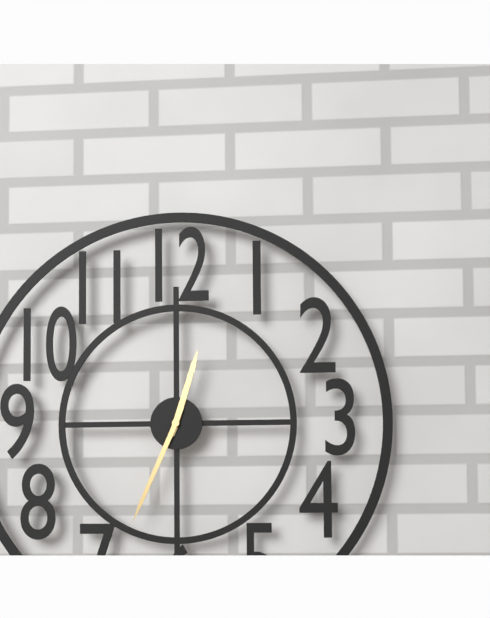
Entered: 12.34
